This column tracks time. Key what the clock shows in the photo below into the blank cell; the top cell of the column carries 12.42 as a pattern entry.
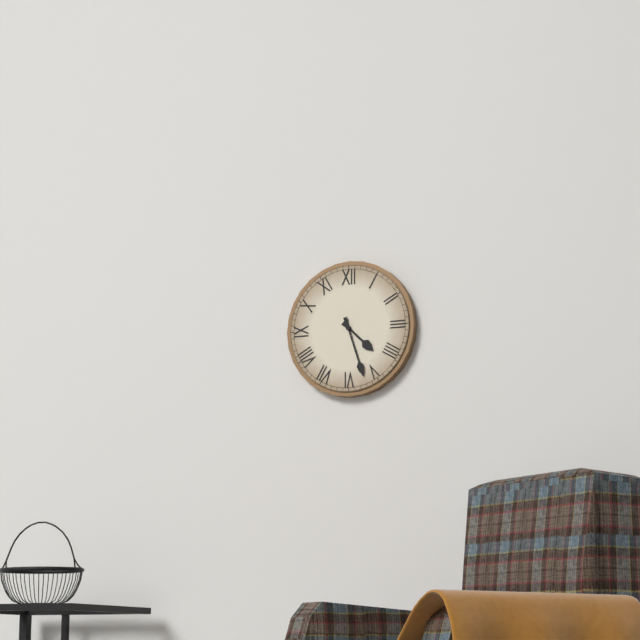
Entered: 4.27
